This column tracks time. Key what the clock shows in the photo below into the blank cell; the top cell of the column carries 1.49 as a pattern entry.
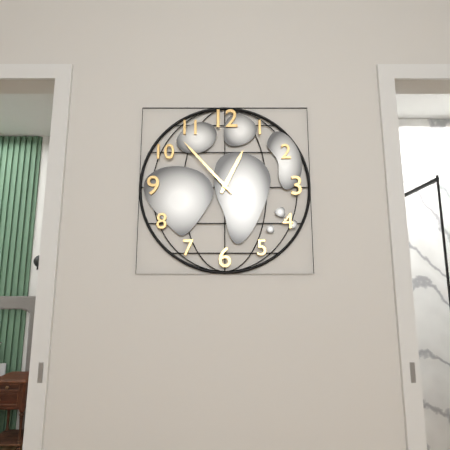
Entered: 12.53
